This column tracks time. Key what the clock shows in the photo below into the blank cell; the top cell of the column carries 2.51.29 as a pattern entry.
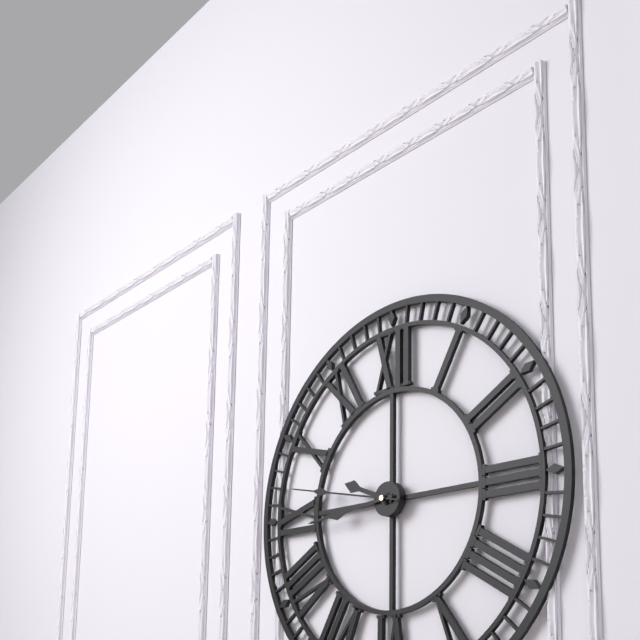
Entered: 9.44.47
